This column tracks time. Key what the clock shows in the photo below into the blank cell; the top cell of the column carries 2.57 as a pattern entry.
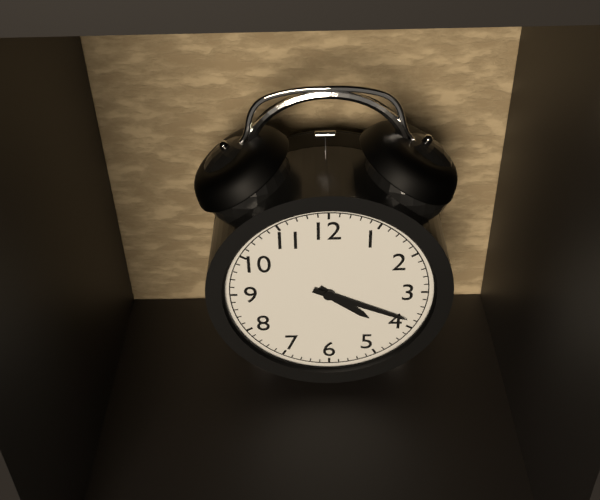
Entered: 4.19
